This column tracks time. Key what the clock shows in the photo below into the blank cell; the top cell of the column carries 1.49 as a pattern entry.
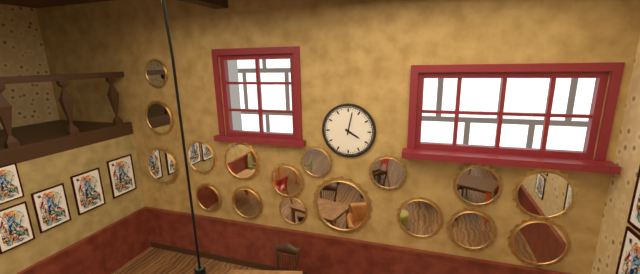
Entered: 4.02
